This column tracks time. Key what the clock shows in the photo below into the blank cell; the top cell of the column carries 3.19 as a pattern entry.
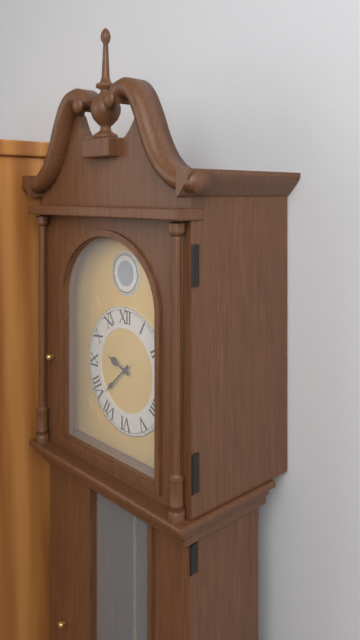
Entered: 9.38
